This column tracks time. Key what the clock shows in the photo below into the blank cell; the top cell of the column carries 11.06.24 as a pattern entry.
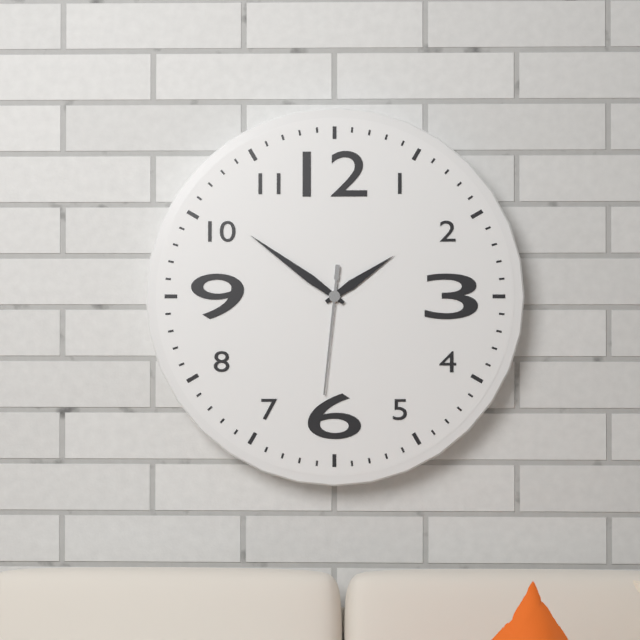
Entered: 1.51.31
